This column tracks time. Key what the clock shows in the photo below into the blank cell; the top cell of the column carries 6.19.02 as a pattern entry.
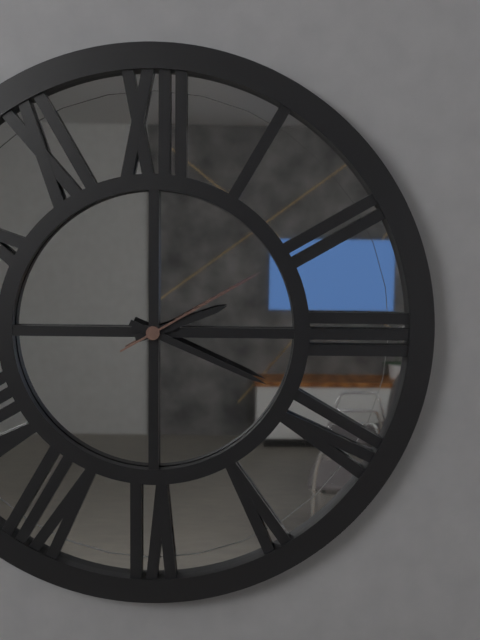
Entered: 2.19.10
